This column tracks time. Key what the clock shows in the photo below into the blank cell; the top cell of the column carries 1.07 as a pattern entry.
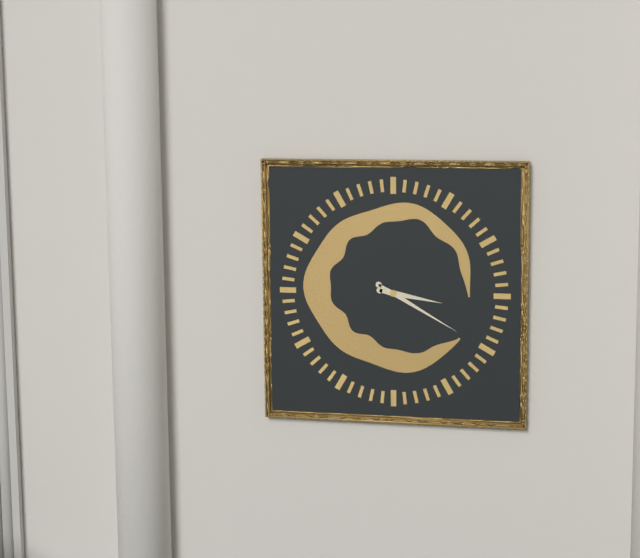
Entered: 3.20
